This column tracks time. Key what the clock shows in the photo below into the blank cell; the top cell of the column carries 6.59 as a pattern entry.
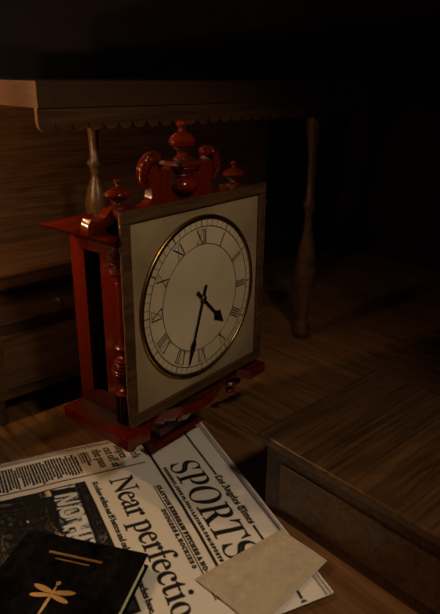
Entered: 4.33
